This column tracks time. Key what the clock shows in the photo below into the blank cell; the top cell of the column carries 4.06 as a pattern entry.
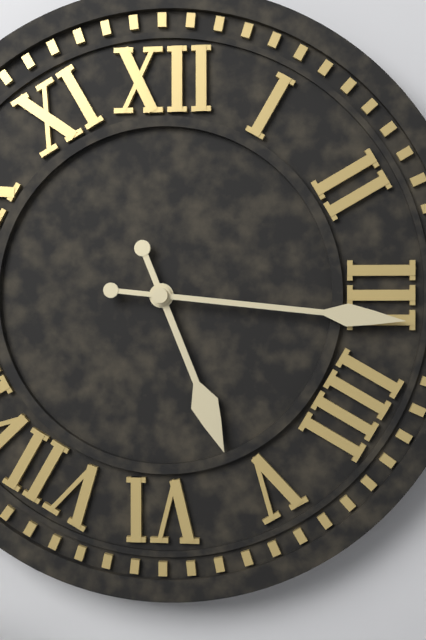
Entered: 5.16
